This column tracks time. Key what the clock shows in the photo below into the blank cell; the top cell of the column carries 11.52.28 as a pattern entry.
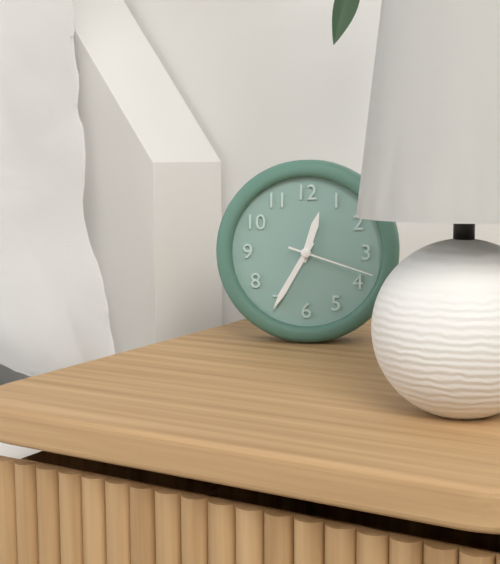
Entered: 12.35.18
